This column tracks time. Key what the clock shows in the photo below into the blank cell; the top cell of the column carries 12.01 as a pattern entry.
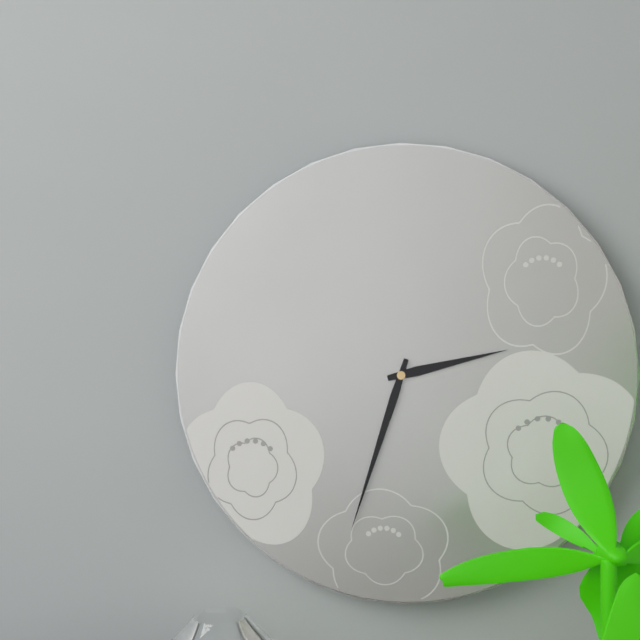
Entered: 2.33
